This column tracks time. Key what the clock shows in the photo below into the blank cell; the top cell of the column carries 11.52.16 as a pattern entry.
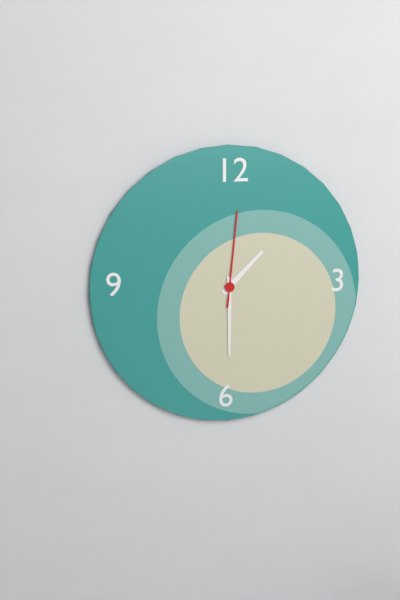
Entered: 1.30.01
